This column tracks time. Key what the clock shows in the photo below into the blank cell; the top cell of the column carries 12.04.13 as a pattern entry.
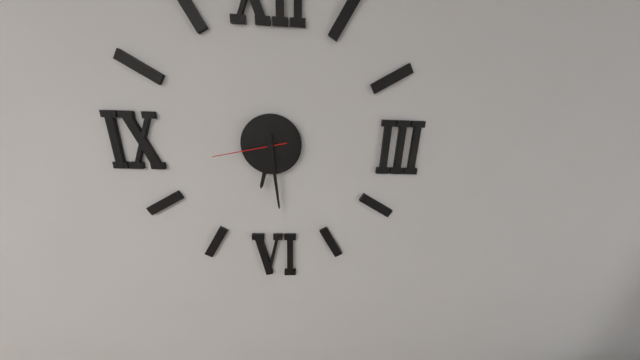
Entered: 6.29.43
